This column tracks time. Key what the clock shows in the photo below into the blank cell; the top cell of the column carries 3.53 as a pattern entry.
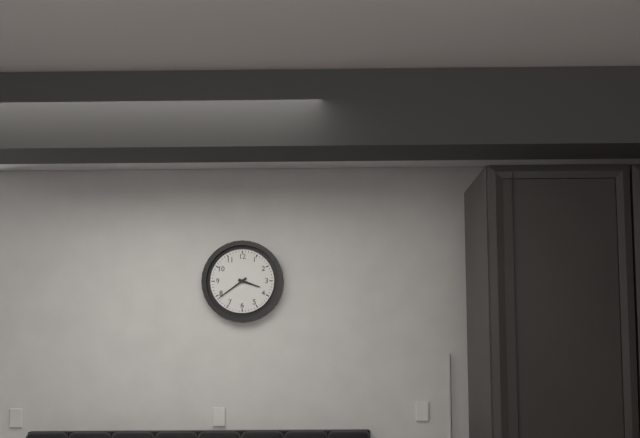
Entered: 3.39
